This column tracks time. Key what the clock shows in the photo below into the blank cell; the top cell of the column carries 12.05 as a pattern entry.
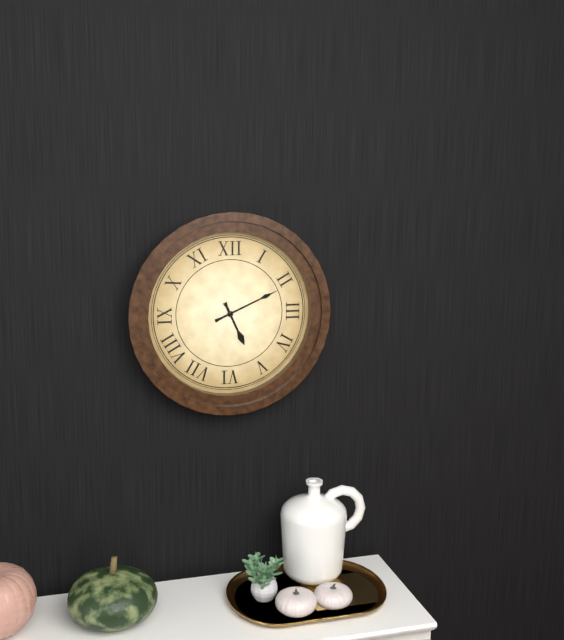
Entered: 5.11
